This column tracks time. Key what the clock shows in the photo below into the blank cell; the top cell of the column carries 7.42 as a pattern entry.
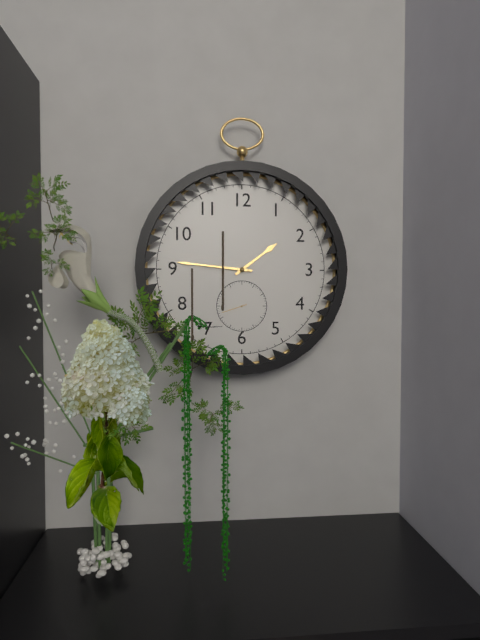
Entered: 1.46
